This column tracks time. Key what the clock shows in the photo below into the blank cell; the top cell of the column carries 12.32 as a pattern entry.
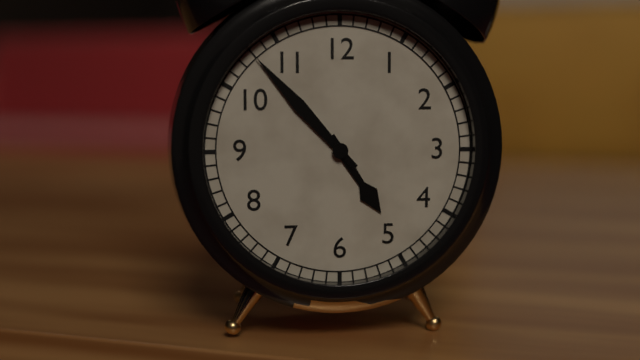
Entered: 4.53
